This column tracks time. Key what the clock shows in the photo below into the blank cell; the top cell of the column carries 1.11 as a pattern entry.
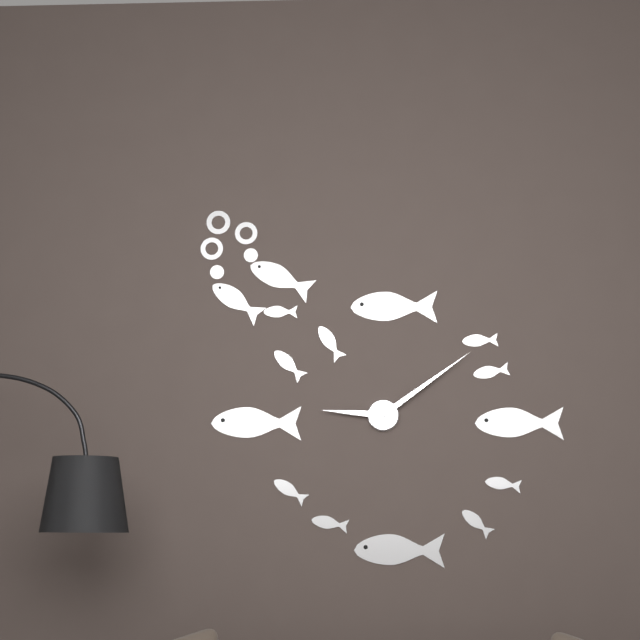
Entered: 9.09
